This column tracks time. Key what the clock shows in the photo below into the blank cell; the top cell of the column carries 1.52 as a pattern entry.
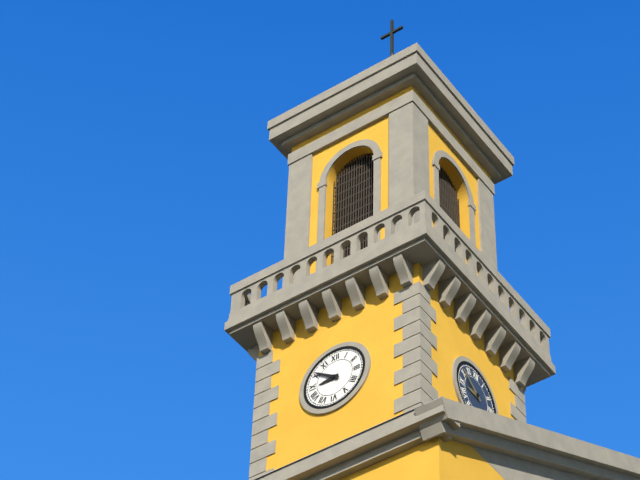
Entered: 8.51
